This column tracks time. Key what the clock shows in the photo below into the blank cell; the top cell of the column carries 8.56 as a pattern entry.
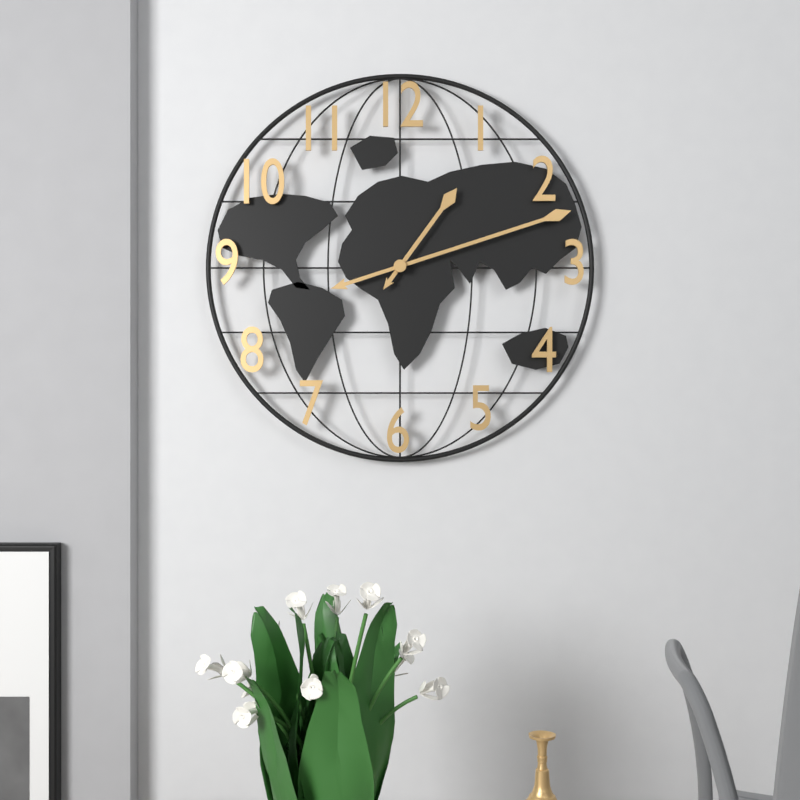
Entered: 1.12
